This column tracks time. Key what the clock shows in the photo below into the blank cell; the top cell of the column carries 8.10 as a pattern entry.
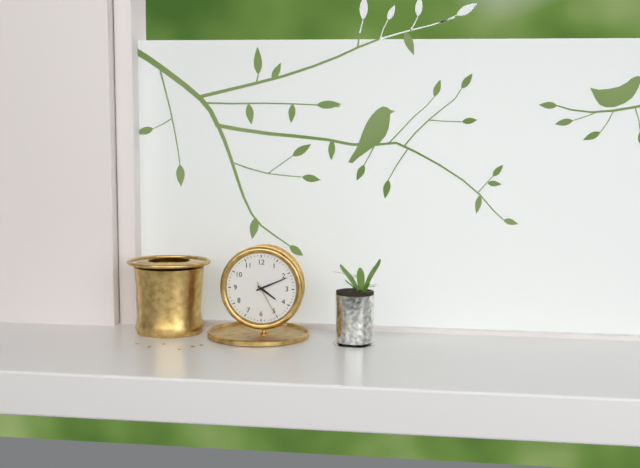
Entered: 4.11
